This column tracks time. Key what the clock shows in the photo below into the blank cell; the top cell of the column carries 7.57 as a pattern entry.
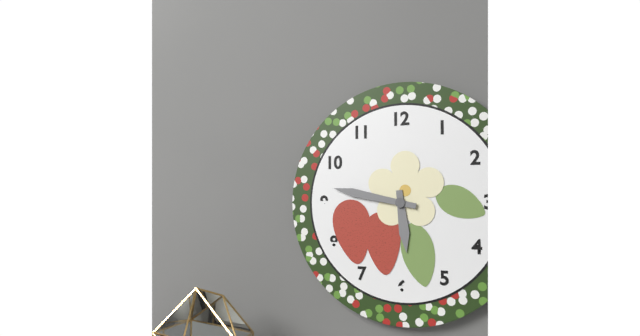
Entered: 5.47
